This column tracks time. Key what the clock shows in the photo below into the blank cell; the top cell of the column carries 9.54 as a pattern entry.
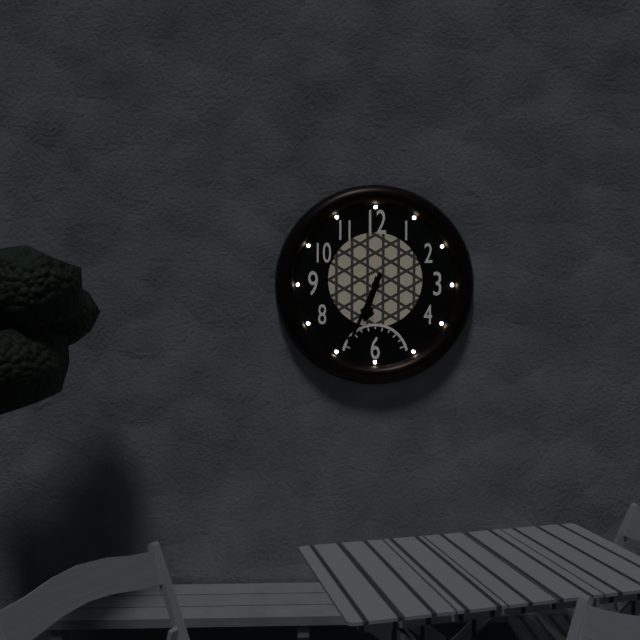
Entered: 6.34
